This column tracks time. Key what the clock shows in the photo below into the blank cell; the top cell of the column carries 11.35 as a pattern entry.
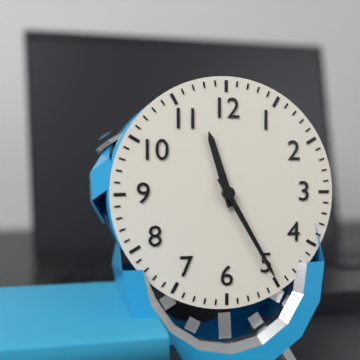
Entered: 11.25
